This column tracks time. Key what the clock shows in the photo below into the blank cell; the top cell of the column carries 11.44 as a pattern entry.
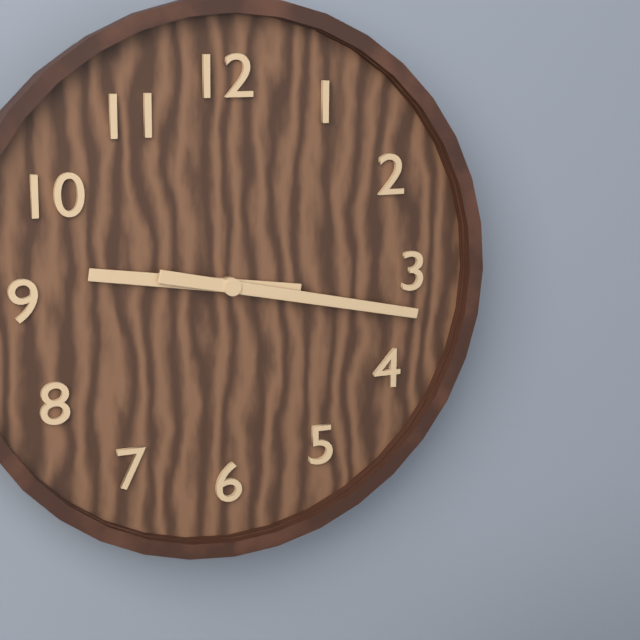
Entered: 9.17
